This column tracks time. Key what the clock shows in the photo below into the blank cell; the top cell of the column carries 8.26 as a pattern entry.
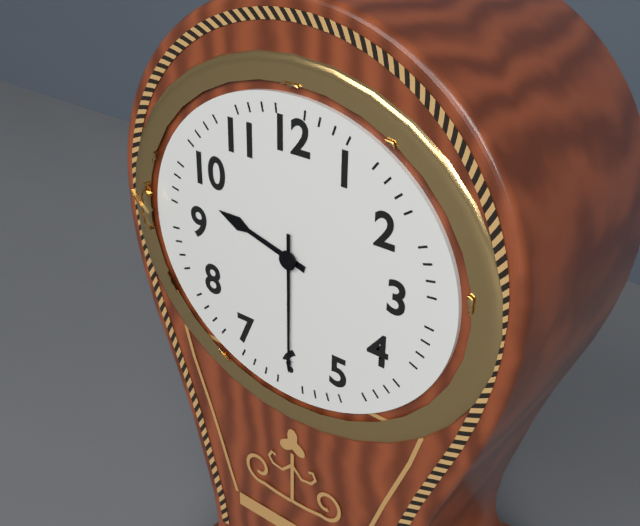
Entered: 9.30
